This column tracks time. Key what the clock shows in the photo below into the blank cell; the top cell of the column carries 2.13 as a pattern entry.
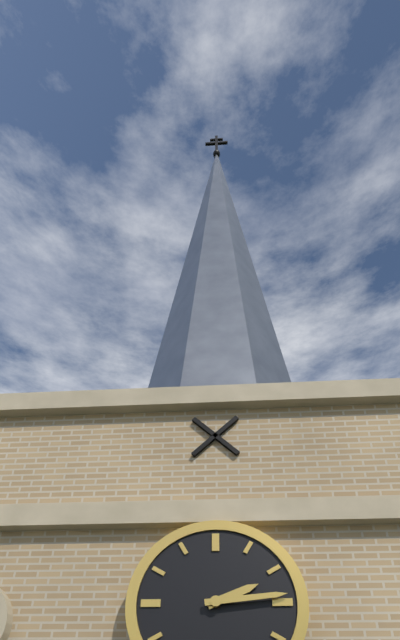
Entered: 2.14
